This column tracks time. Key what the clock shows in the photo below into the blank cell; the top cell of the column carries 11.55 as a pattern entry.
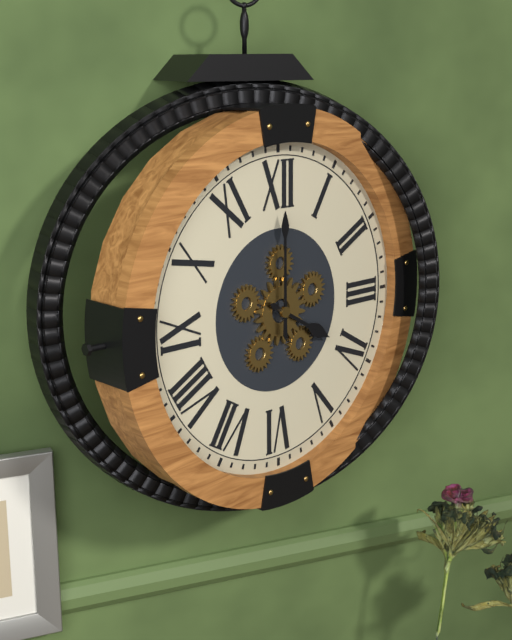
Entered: 4.00
